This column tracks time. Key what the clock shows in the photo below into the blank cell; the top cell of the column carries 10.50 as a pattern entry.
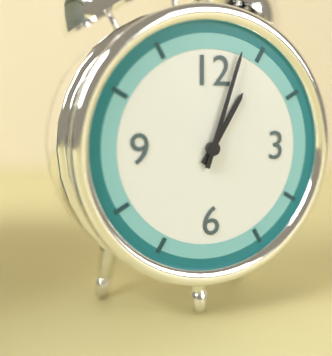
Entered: 1.03
